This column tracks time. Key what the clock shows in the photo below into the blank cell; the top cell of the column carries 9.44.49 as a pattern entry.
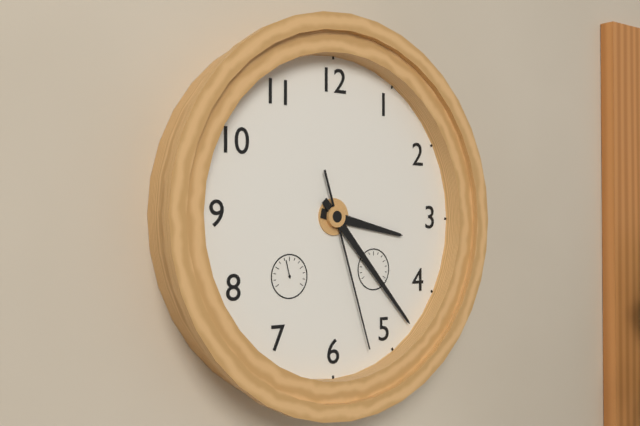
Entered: 3.23.27
